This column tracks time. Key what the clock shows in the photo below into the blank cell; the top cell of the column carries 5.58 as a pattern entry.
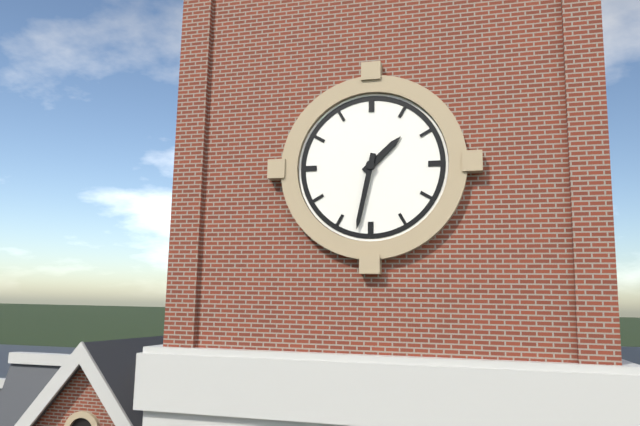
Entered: 1.32
